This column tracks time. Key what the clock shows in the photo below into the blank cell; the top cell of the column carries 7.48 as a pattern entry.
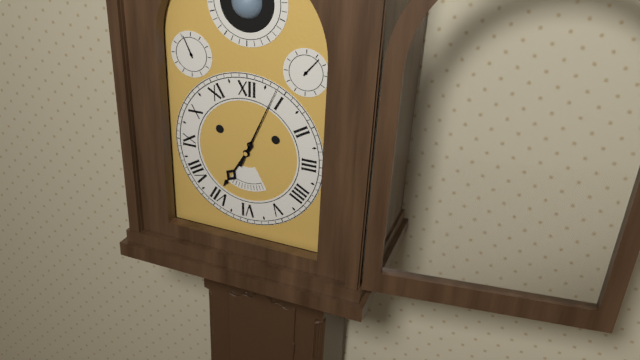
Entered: 7.04
